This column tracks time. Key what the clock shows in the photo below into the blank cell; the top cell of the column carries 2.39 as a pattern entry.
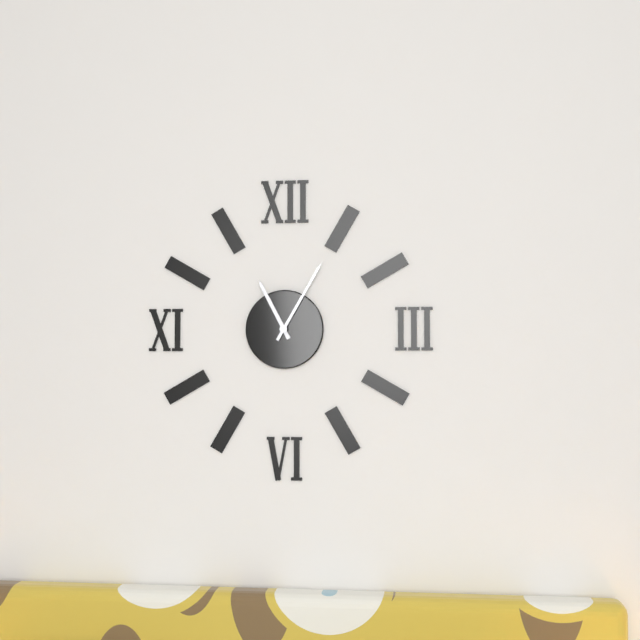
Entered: 11.05
